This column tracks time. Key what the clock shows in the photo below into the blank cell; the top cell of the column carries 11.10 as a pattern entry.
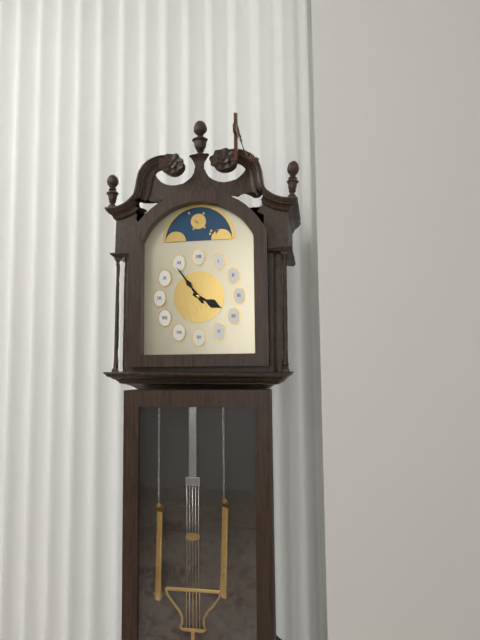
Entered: 3.54
